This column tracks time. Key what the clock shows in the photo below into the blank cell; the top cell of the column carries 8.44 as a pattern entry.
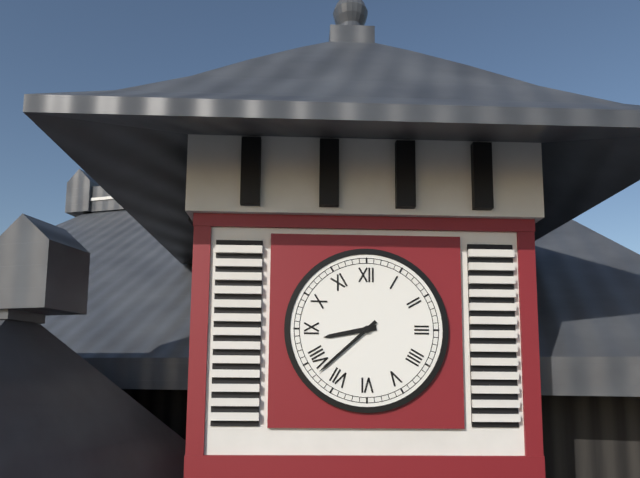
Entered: 8.38
